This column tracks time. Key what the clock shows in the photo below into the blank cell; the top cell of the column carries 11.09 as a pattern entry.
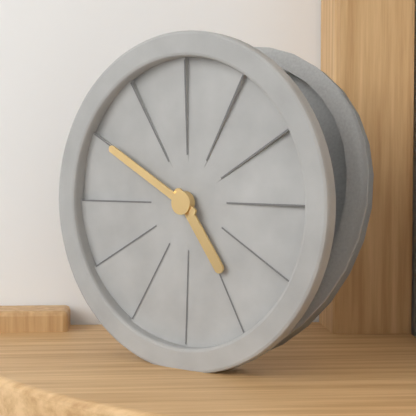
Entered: 4.50
